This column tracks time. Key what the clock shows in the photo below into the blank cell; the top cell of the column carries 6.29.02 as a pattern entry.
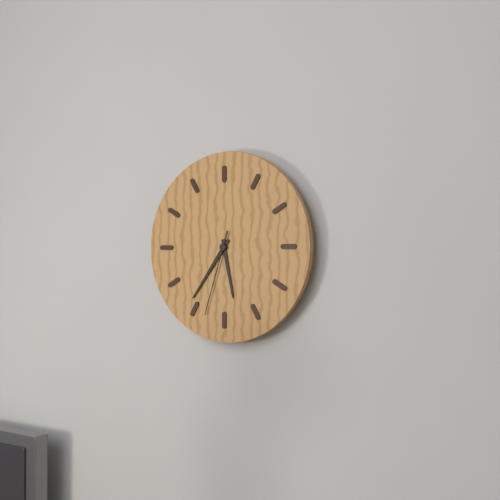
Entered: 5.36.33
